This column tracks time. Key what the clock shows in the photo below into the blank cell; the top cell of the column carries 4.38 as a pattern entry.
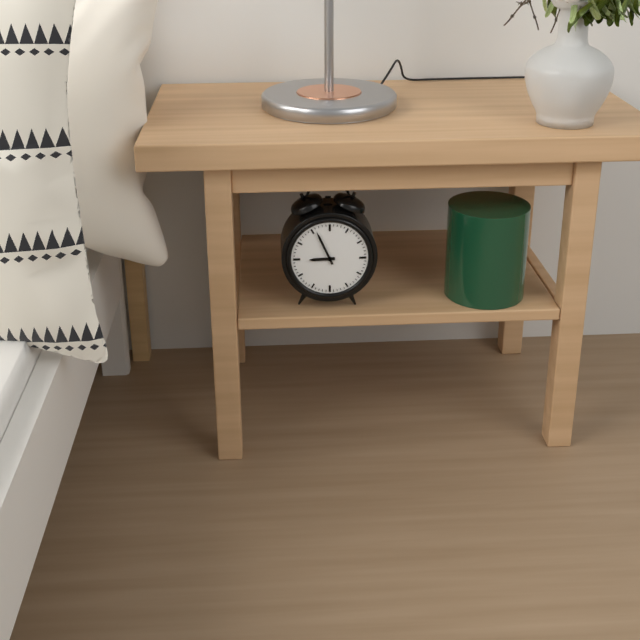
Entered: 8.56
